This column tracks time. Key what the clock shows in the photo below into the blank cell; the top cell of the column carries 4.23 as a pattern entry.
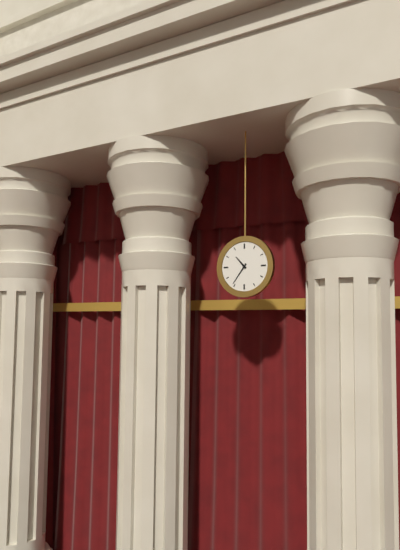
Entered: 10.36
